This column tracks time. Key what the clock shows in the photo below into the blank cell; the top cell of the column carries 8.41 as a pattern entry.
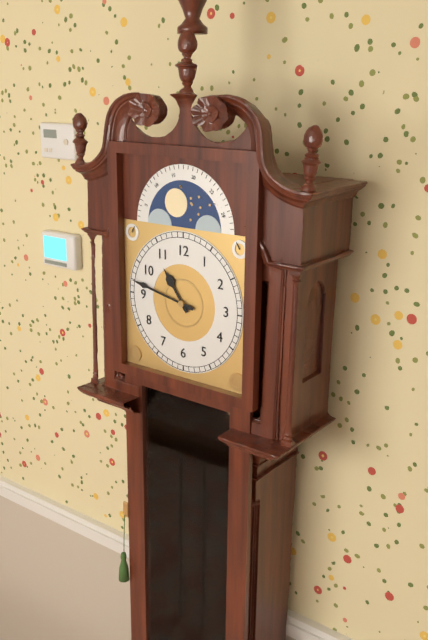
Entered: 10.47
